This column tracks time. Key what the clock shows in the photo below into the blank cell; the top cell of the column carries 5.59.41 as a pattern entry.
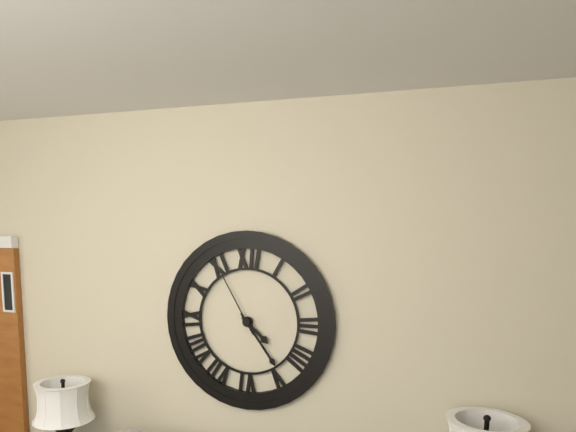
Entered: 4.24.55
